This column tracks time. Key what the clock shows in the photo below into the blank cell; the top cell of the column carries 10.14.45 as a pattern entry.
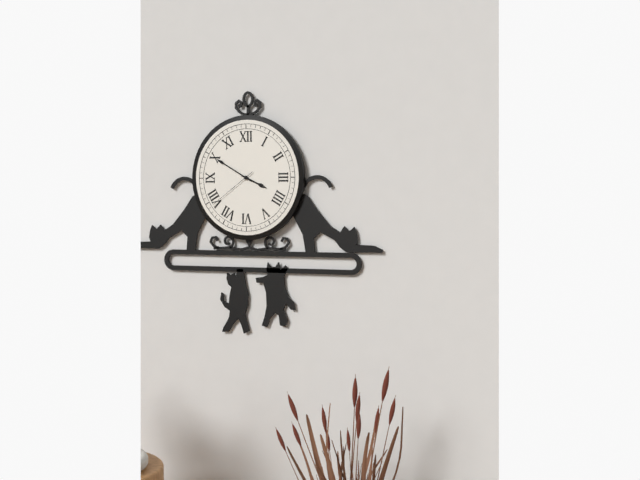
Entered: 3.50.39
